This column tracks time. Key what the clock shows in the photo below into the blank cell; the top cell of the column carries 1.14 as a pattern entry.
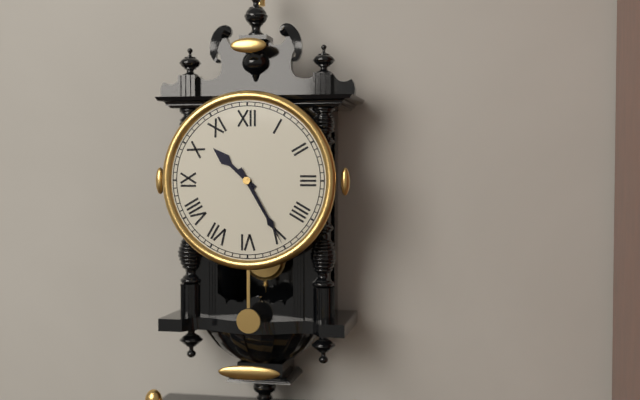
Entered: 10.25
